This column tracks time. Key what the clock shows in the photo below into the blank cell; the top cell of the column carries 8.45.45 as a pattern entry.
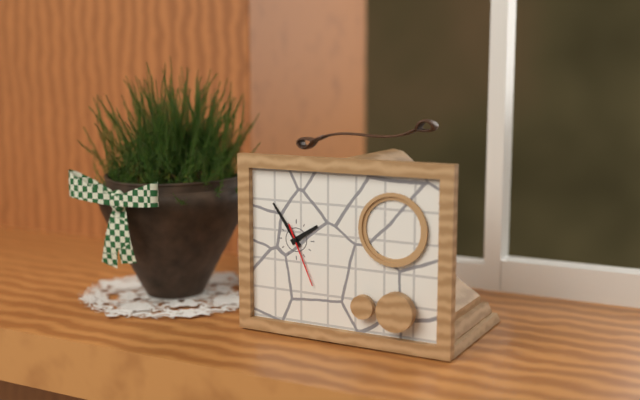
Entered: 1.54.26
